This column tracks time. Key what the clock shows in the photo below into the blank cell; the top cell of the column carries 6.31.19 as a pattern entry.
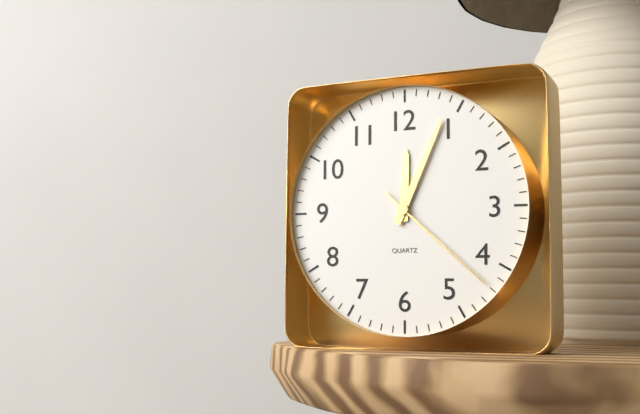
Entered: 12.04.22
